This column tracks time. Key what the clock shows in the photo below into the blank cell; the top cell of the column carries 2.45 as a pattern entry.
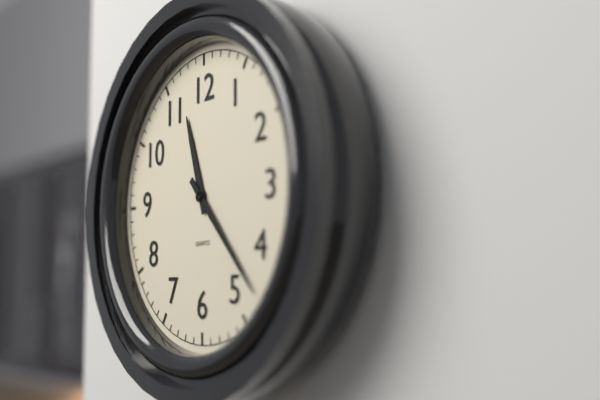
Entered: 11.23
